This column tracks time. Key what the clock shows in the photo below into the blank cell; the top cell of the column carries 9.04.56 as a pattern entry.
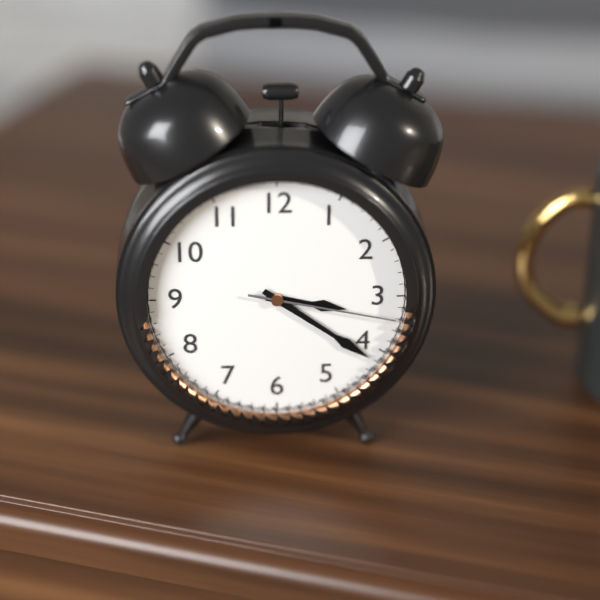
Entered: 3.21.17
